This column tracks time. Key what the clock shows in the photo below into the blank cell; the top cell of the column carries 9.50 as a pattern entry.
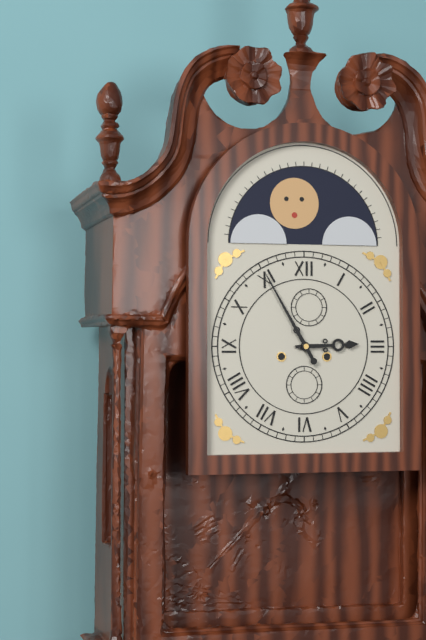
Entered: 2.55
